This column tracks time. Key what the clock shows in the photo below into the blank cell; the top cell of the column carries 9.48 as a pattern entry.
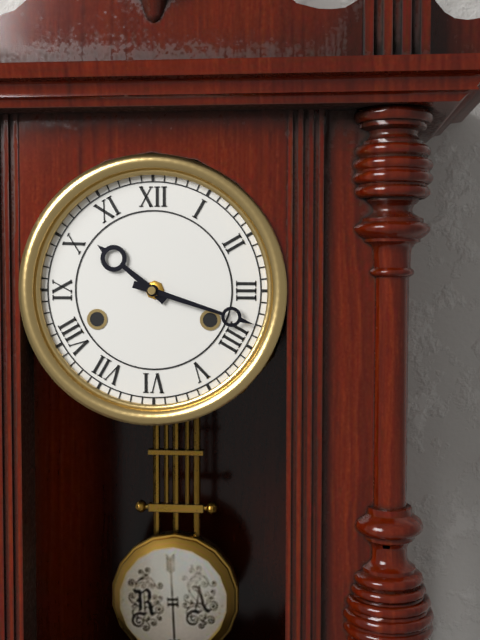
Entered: 10.18
